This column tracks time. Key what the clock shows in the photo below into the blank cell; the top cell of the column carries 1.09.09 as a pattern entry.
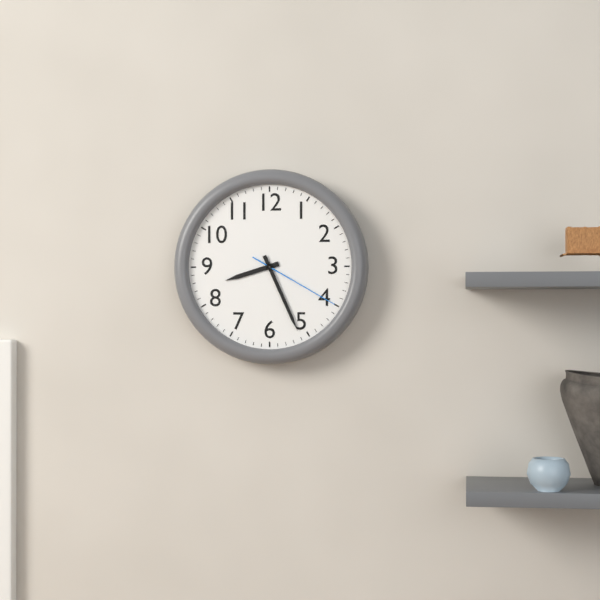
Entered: 8.26.20
